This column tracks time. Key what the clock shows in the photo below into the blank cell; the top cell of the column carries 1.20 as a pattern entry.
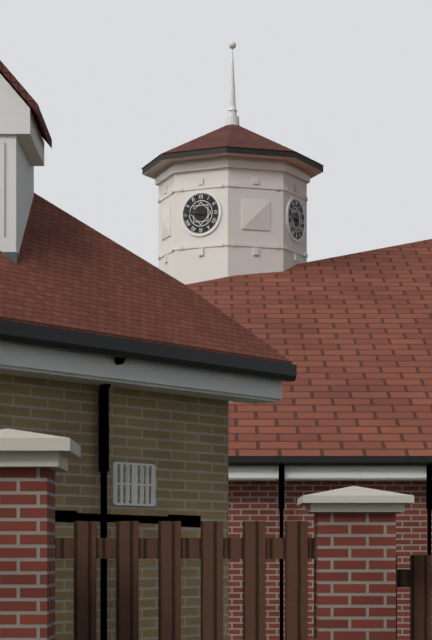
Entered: 9.46
